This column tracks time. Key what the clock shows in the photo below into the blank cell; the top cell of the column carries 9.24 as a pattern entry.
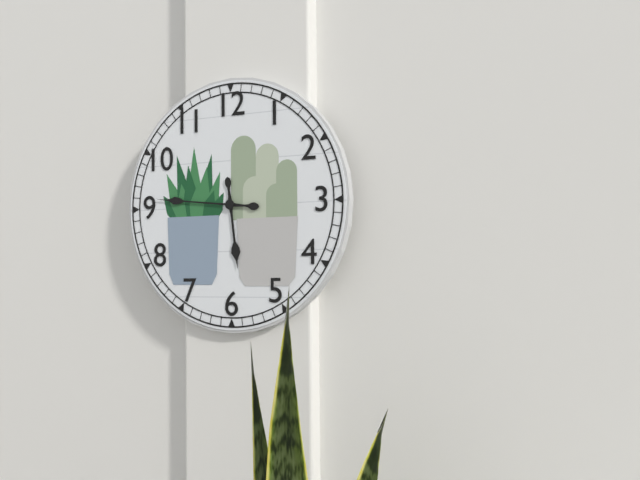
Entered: 5.46
